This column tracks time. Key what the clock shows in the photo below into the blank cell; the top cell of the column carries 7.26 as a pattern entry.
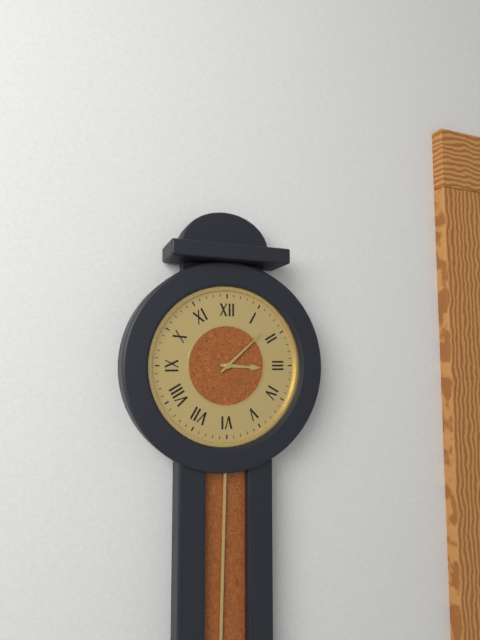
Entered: 3.08
